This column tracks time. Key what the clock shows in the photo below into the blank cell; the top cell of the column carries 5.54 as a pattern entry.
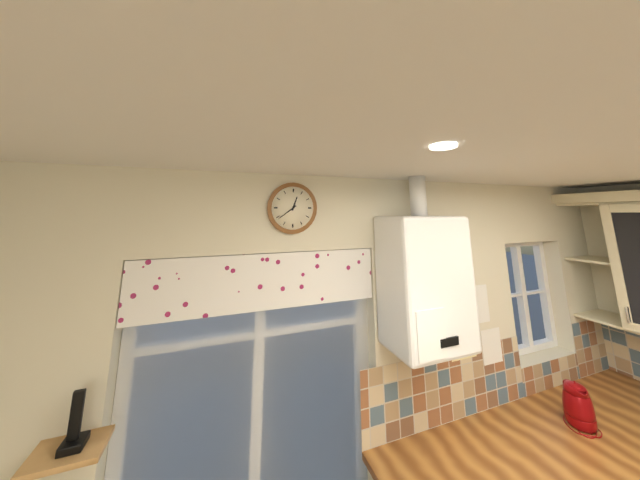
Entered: 12.39
